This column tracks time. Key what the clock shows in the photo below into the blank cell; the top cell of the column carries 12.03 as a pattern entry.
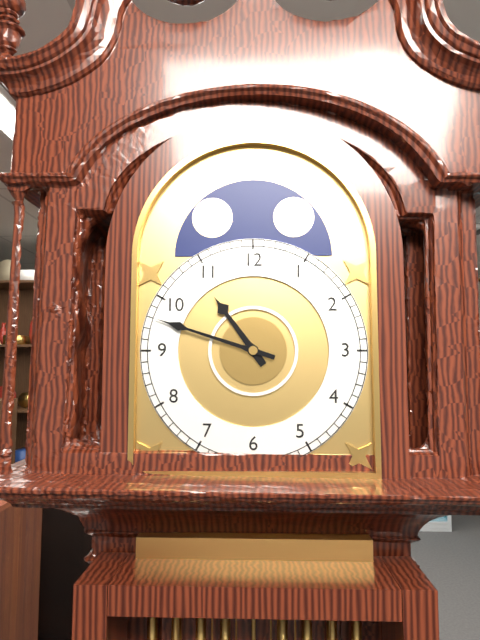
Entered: 10.48
